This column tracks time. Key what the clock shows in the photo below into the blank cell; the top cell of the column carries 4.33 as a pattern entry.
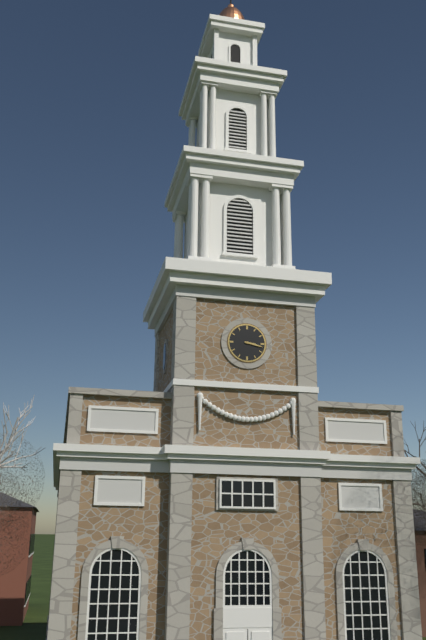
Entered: 3.17
